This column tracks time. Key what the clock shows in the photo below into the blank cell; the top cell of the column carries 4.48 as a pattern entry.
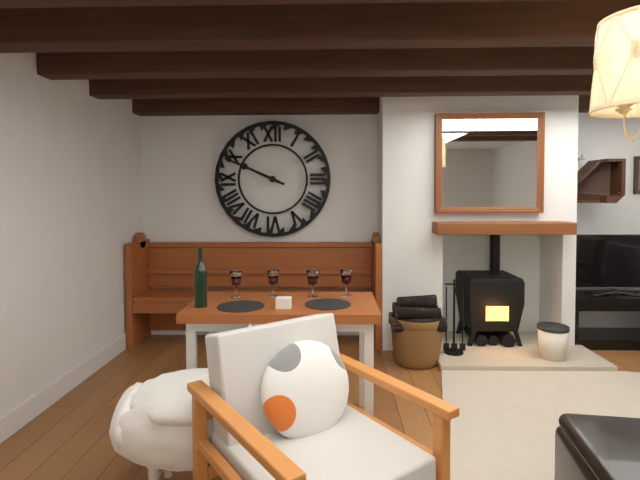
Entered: 9.49
